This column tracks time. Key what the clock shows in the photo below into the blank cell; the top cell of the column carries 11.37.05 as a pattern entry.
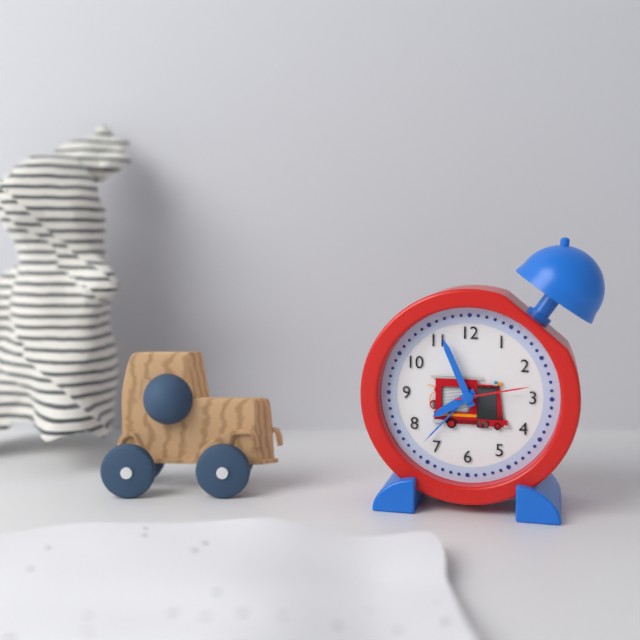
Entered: 7.56.13
